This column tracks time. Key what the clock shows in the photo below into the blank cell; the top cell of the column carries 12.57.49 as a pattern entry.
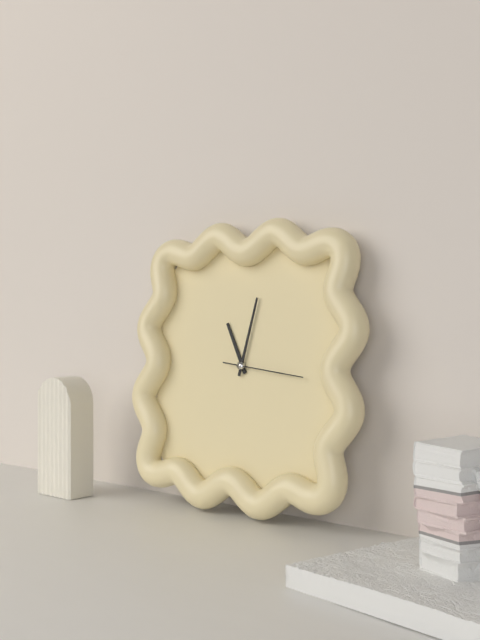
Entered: 11.02.16
